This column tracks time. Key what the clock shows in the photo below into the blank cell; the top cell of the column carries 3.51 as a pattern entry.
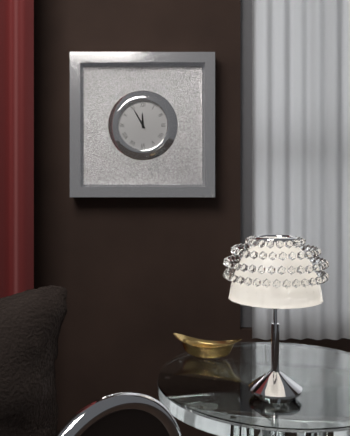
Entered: 11.55
